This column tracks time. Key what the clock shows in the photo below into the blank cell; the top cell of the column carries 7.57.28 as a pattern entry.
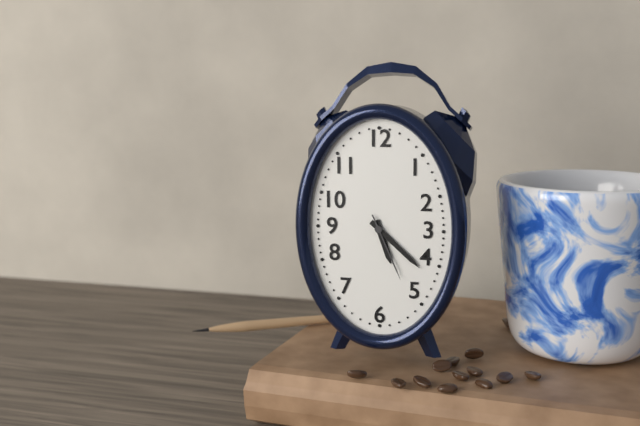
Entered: 5.22.26
